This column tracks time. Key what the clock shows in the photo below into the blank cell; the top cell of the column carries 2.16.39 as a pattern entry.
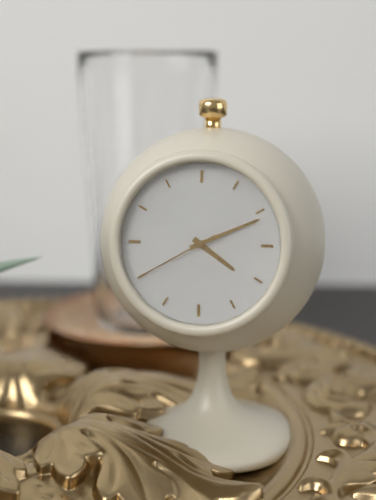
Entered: 4.11.40
